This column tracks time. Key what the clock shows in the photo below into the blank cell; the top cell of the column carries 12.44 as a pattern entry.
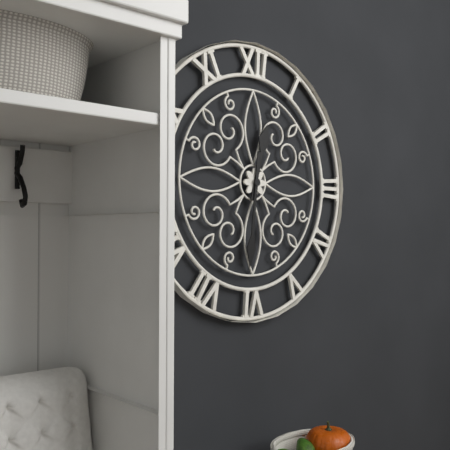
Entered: 12.31
